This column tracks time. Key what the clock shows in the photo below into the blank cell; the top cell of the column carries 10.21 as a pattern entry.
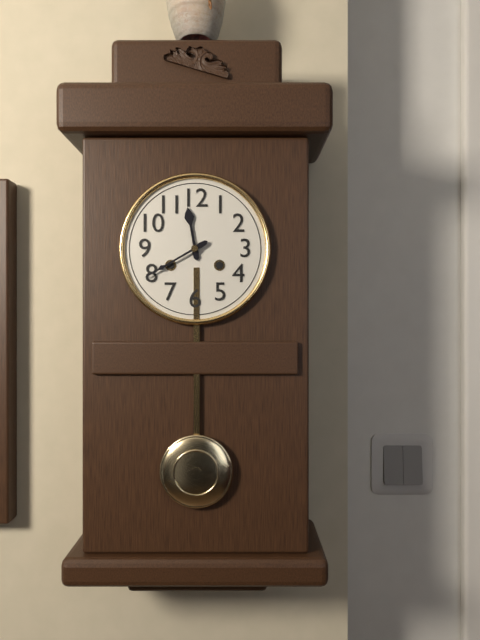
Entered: 11.40
